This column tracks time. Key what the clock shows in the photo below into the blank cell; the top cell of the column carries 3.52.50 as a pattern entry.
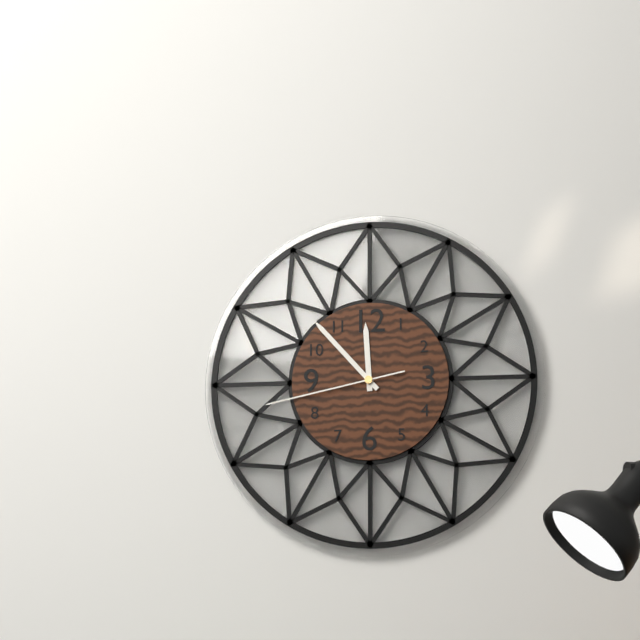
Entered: 11.53.43
